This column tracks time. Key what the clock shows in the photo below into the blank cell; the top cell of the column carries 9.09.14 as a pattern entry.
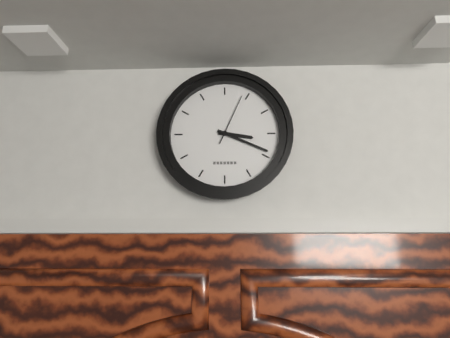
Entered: 3.19.04
